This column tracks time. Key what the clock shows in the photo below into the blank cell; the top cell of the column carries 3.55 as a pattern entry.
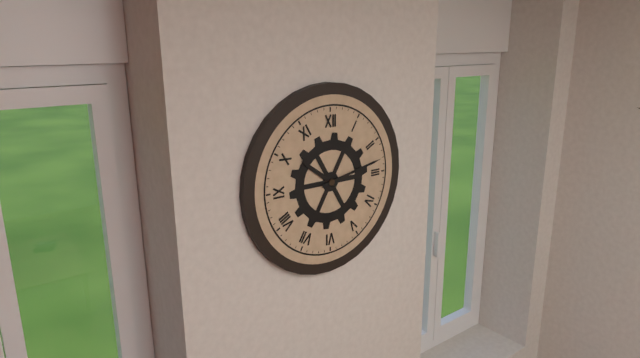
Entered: 10.13
